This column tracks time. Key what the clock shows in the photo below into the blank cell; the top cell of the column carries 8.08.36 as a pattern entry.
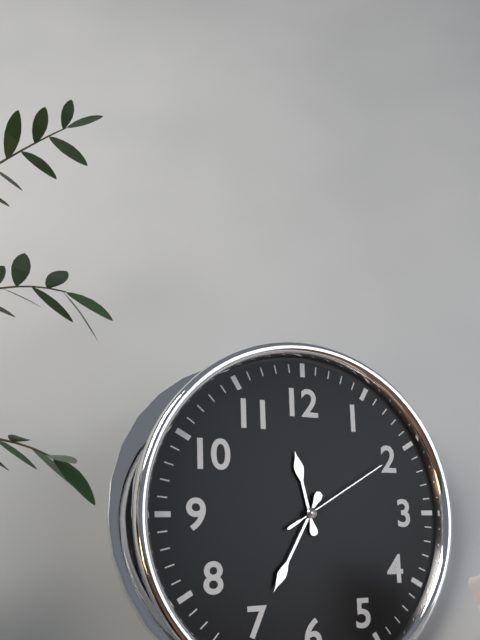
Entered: 11.35.10
